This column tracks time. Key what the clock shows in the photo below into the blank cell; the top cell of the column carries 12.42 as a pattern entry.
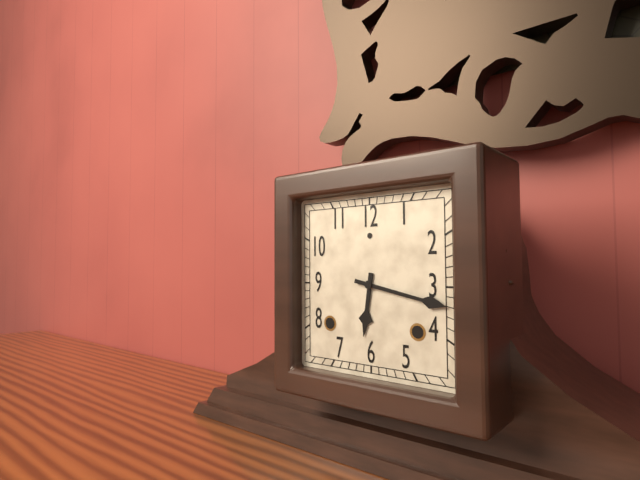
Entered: 6.17
